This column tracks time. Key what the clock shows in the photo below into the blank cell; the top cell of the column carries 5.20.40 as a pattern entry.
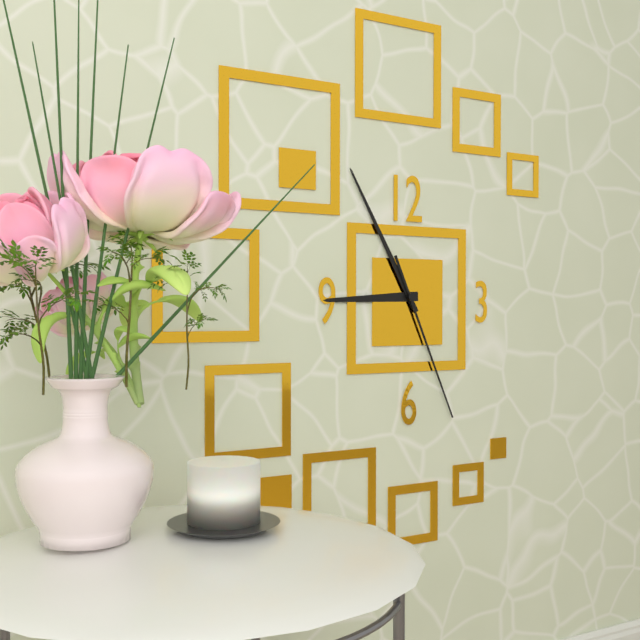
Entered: 8.55.26
